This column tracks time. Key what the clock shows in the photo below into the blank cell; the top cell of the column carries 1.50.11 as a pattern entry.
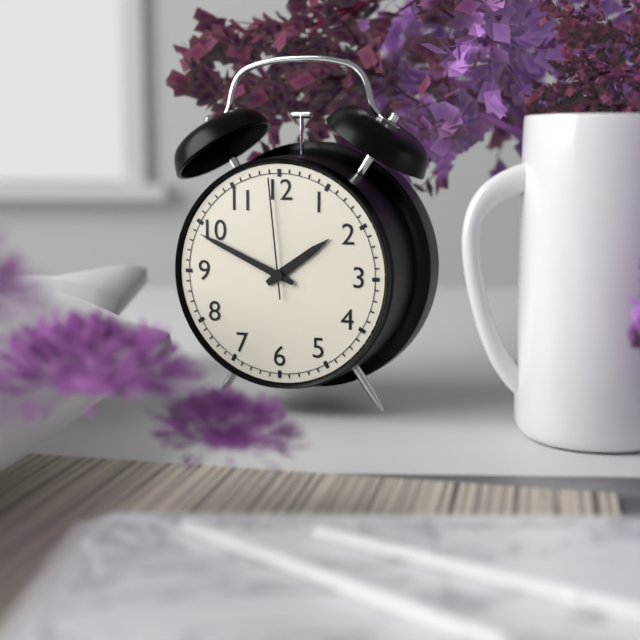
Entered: 1.49.59
